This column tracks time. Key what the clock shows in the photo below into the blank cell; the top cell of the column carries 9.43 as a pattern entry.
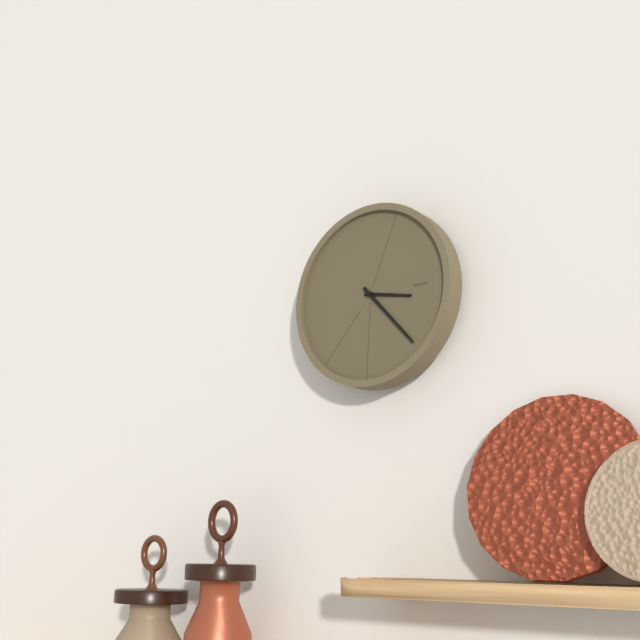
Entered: 3.23
